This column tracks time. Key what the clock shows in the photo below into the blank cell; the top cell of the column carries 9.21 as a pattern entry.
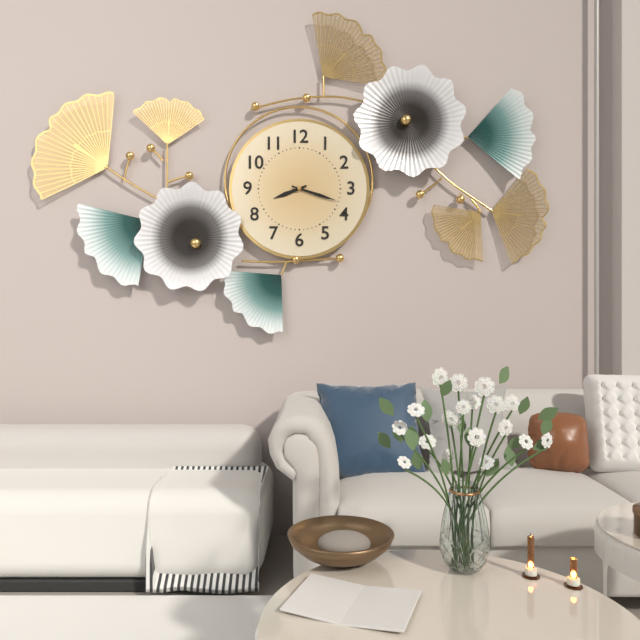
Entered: 8.18
